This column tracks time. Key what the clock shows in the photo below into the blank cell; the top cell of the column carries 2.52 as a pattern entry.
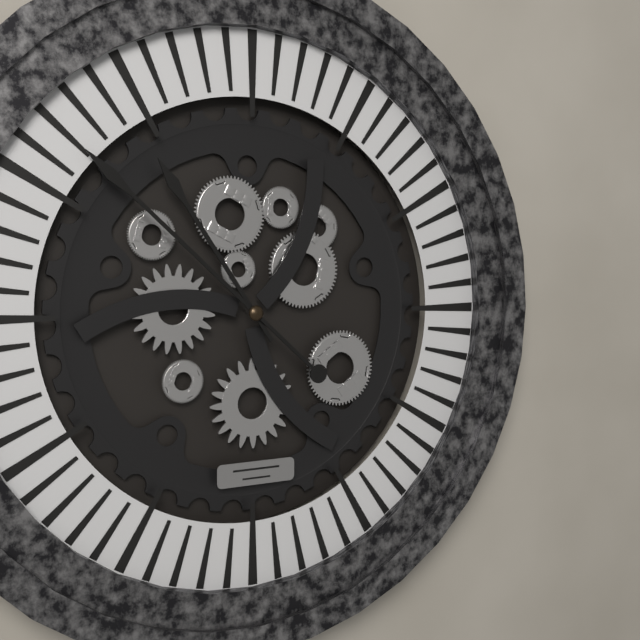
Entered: 10.52
